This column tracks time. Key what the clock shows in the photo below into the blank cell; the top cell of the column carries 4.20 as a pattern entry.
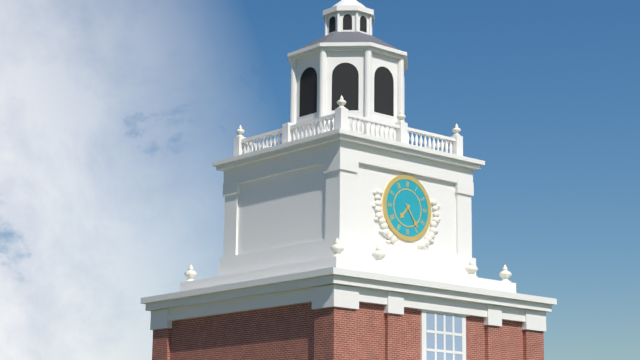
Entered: 7.24
